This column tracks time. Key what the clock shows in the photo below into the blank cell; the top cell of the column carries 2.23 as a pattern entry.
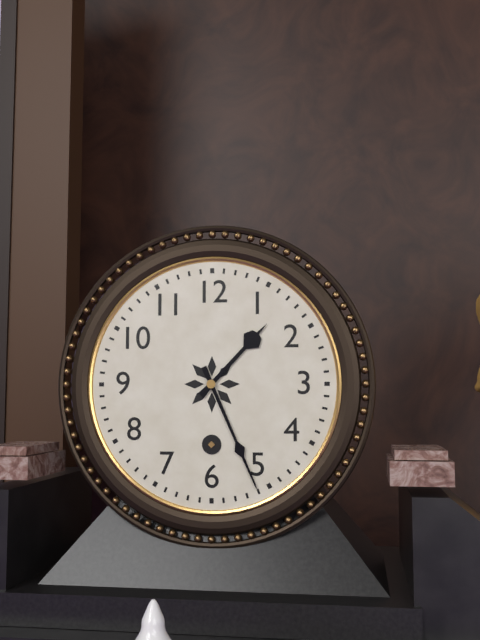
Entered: 1.26
